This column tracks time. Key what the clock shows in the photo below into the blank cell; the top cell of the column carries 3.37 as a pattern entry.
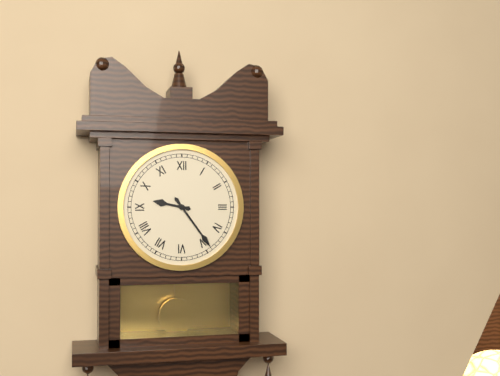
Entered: 9.24
